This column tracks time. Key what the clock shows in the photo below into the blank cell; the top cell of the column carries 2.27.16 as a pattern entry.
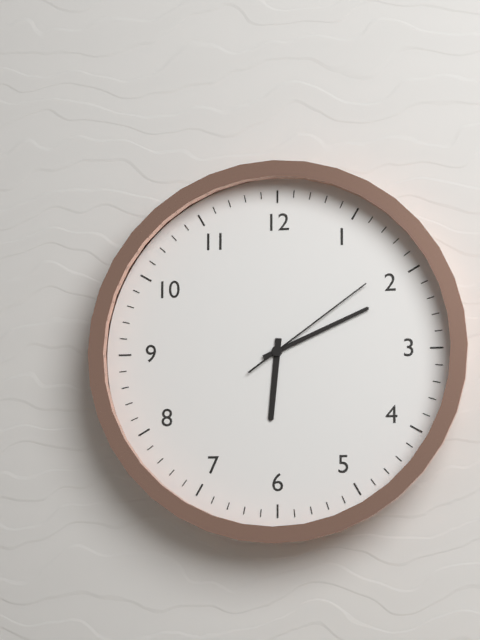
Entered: 6.11.09
